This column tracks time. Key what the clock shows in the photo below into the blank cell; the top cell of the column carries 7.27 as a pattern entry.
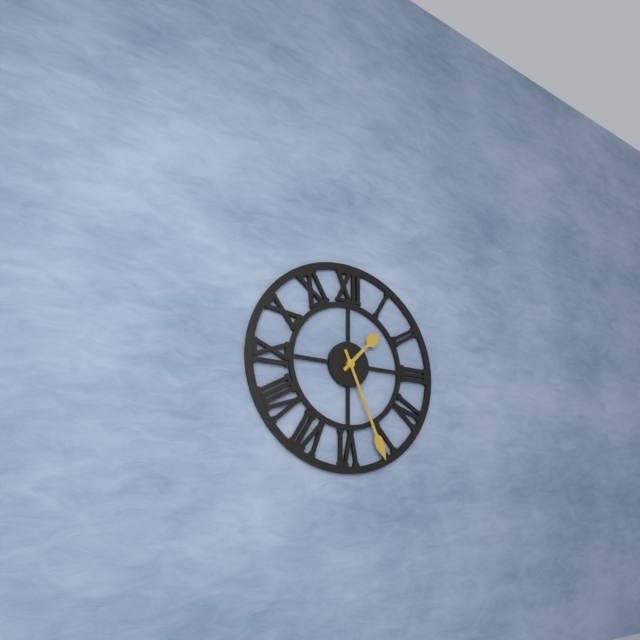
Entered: 1.26
